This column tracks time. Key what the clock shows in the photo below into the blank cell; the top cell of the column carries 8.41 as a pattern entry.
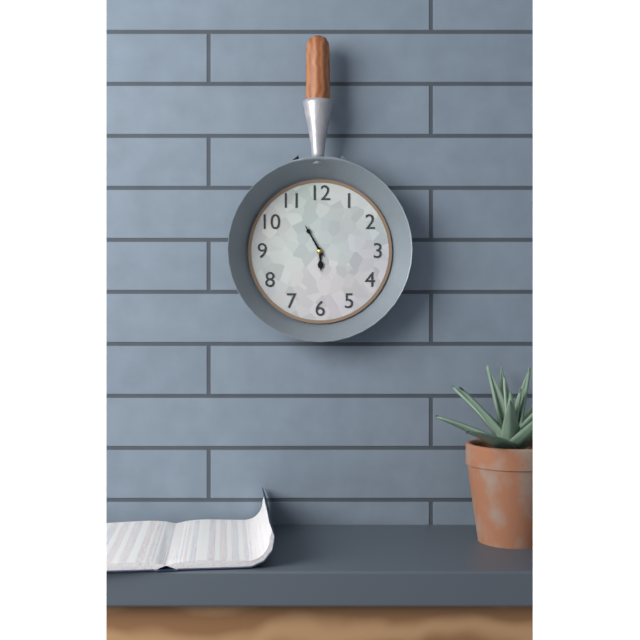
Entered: 5.55
